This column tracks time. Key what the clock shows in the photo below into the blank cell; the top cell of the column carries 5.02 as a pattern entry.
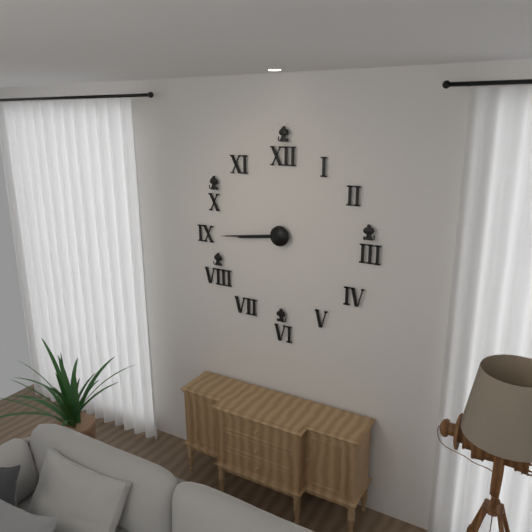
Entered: 8.44
